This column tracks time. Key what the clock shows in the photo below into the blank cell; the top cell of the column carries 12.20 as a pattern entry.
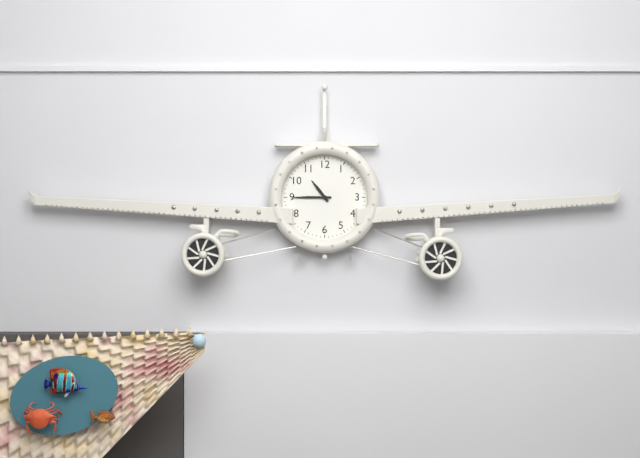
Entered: 10.45
